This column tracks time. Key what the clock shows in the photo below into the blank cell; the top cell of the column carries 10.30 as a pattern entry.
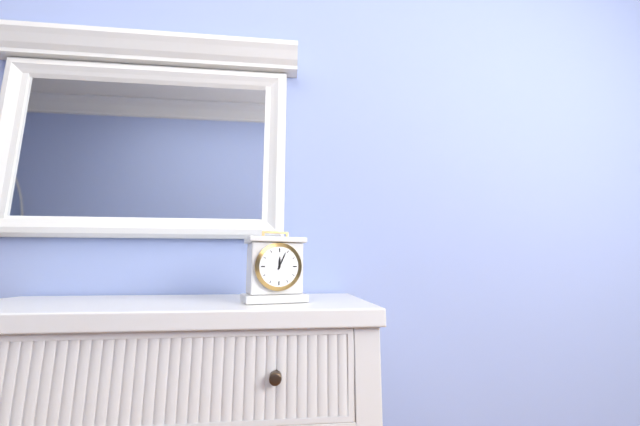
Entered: 12.04
